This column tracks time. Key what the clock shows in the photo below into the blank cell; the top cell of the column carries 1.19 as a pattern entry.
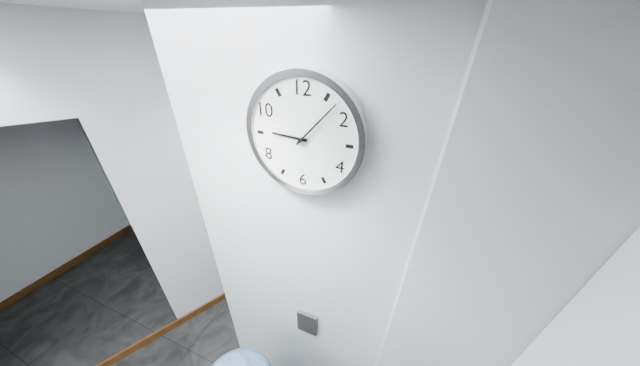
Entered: 9.07
